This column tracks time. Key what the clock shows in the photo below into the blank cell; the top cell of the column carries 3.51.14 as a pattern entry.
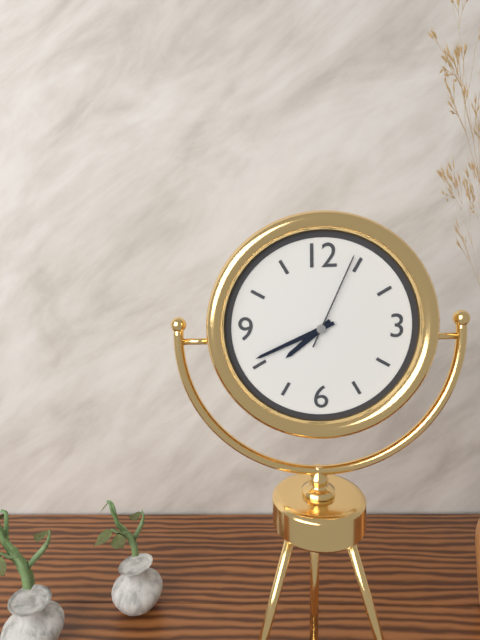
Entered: 7.41.04
